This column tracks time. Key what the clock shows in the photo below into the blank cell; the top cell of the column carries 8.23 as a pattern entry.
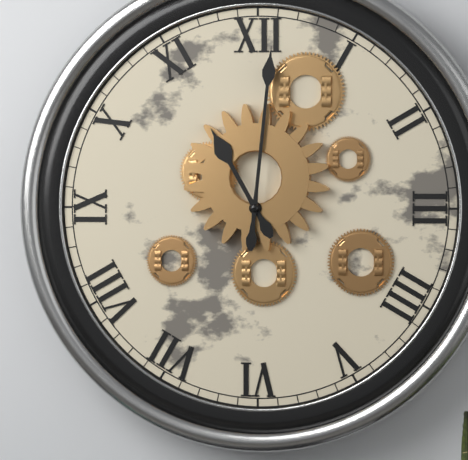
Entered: 11.01
